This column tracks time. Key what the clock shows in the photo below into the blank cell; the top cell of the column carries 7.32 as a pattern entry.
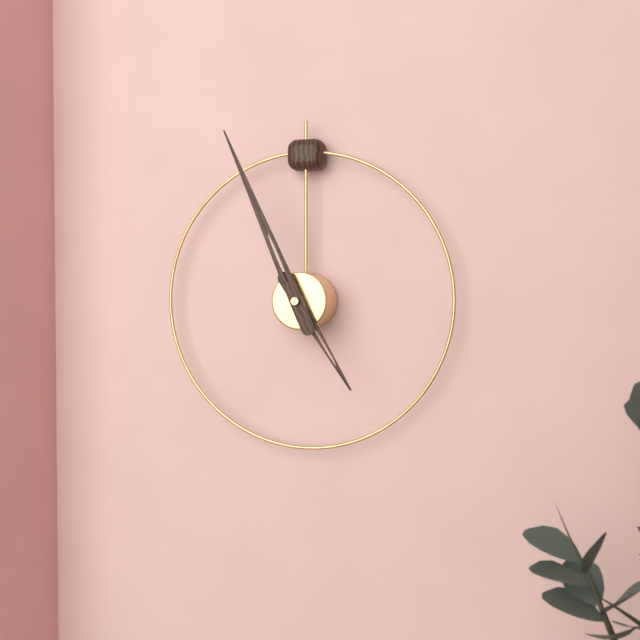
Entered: 4.56
